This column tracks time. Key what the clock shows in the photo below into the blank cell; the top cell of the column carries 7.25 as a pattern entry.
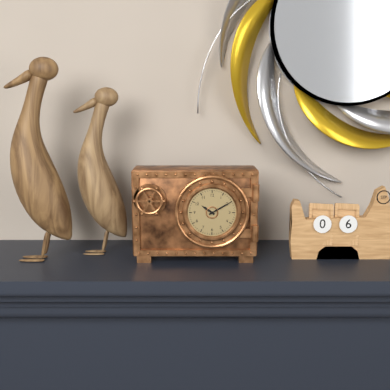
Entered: 10.10
